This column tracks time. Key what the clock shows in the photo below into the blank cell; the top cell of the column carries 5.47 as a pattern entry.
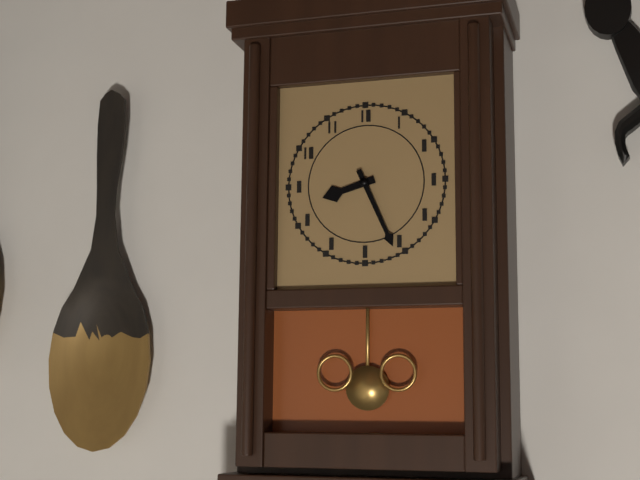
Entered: 8.26
